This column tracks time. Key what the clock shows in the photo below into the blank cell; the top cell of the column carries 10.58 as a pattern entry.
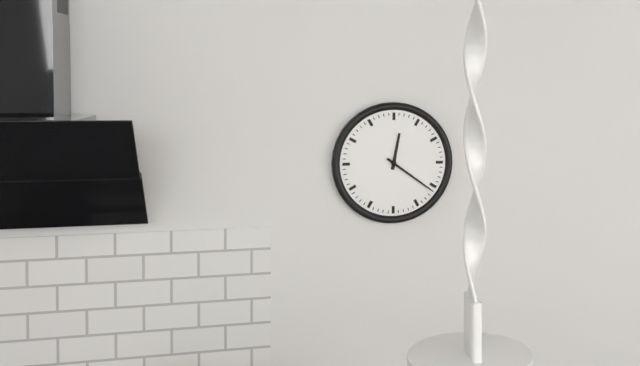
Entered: 12.21
